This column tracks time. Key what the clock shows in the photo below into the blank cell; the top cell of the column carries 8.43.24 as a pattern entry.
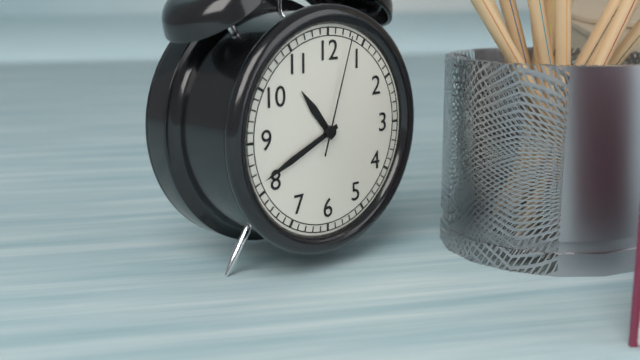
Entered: 10.41.03
